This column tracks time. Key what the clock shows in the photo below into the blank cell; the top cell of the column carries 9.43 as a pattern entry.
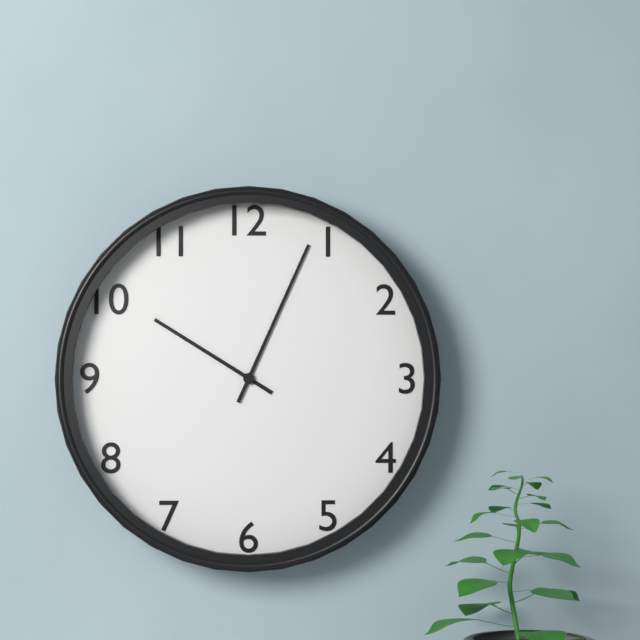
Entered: 10.04
